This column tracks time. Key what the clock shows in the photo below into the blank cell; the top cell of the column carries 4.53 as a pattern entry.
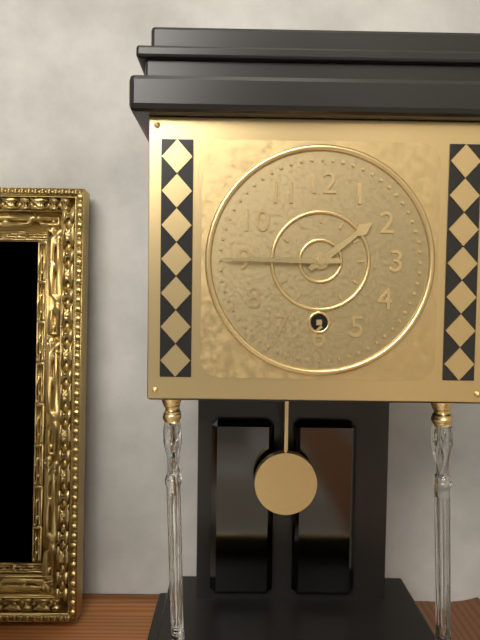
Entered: 1.45
